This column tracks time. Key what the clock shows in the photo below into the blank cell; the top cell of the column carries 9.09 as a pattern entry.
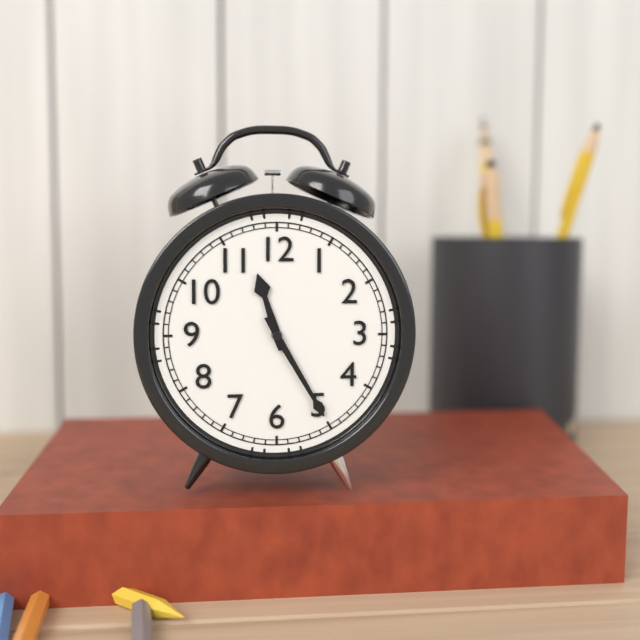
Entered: 11.25
